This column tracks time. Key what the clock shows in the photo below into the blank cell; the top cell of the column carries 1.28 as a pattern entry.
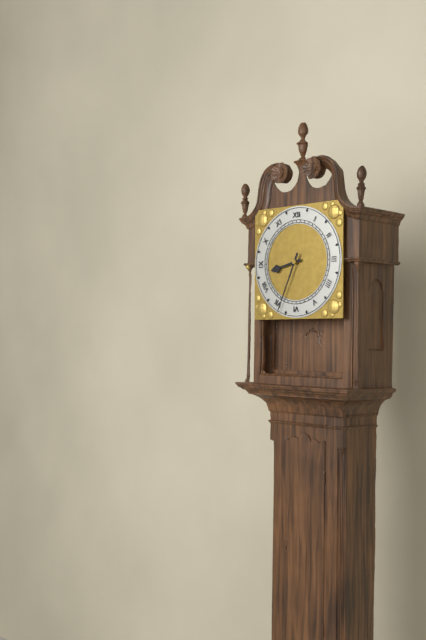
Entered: 8.34
